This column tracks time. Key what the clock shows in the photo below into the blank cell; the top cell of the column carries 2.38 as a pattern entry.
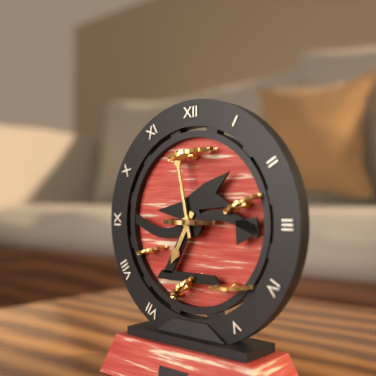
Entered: 6.58
